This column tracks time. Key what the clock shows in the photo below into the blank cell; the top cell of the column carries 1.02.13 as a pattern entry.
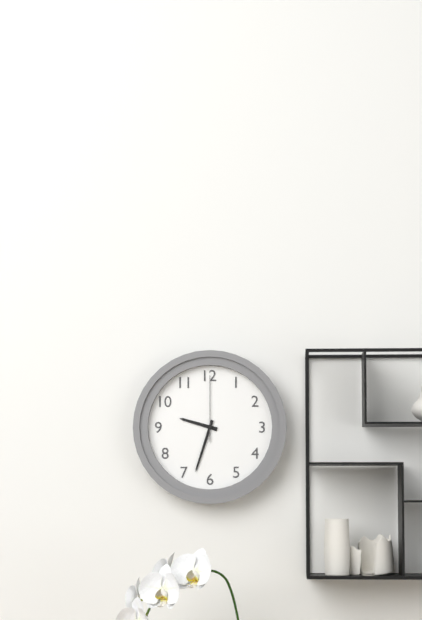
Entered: 9.33.00
